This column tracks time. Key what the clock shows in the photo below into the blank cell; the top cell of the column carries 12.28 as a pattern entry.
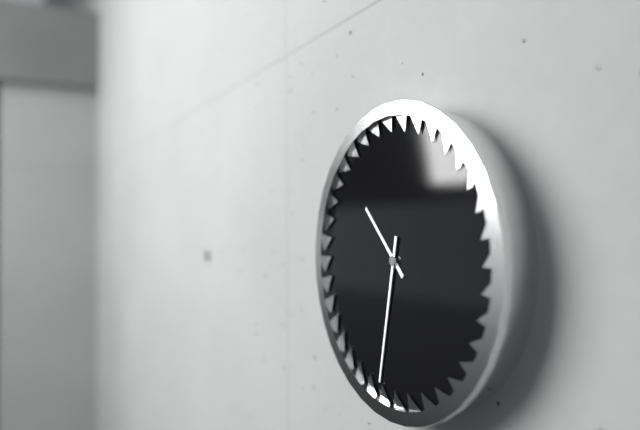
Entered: 10.32
